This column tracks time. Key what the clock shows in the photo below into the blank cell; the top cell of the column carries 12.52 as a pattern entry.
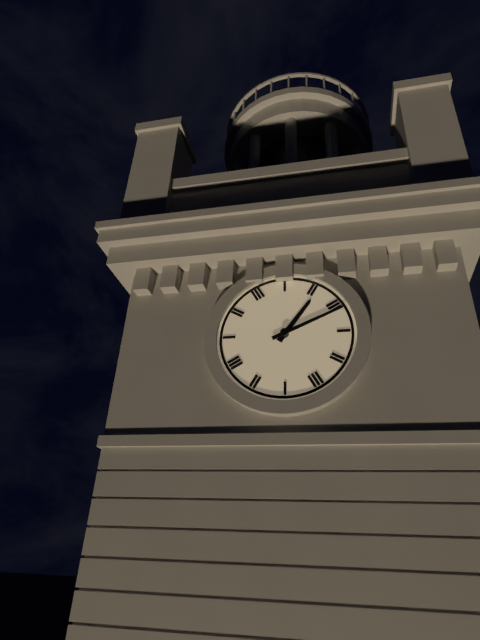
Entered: 1.11
